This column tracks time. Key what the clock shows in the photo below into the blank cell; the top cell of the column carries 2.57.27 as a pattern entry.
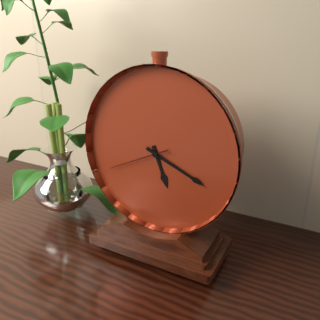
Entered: 5.19.41
